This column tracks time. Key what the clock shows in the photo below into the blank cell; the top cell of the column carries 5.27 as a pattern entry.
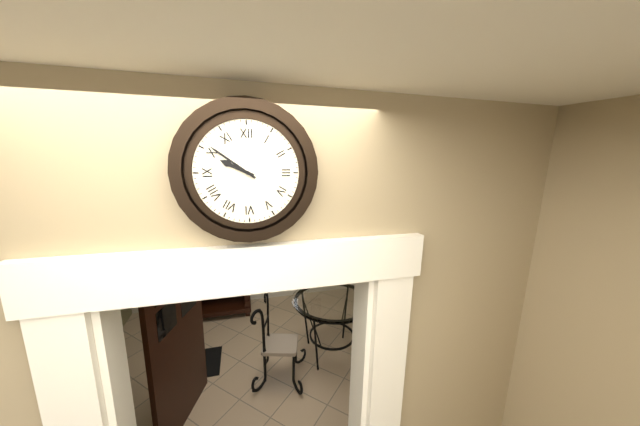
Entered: 9.51
